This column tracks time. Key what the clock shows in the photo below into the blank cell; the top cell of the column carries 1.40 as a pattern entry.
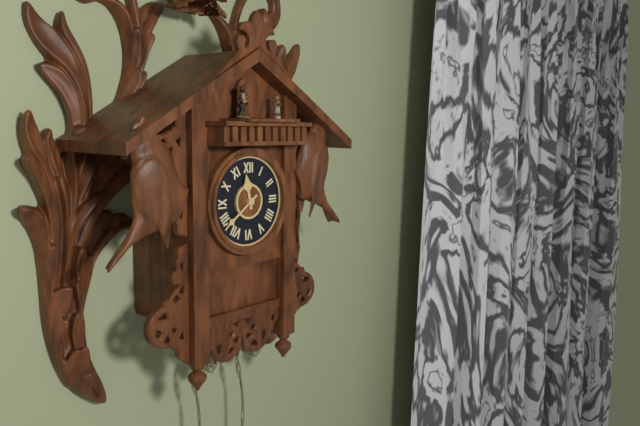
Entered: 11.39
